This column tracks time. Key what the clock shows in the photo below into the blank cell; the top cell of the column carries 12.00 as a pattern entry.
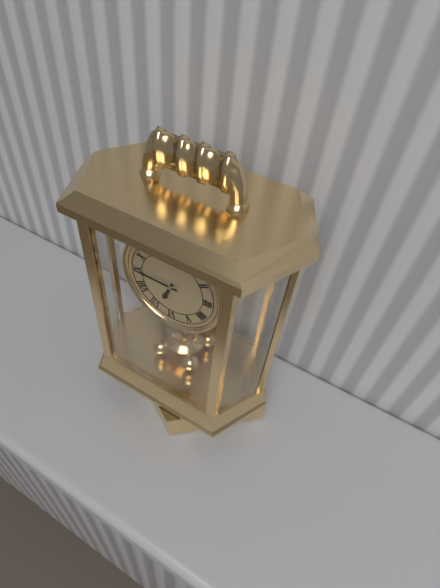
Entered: 6.45
